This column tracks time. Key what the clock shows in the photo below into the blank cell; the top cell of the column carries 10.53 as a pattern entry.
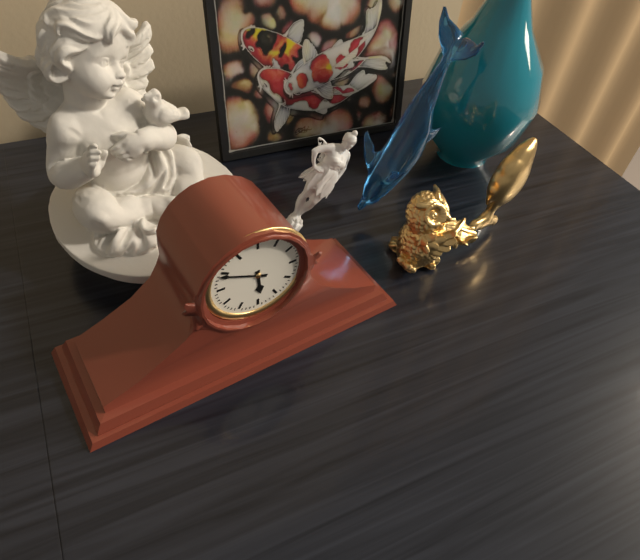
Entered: 5.49
